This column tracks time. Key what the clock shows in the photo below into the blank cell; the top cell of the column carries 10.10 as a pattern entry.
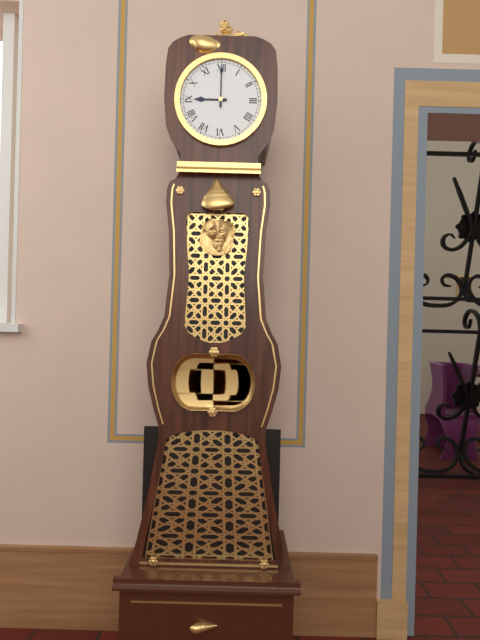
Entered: 9.00
